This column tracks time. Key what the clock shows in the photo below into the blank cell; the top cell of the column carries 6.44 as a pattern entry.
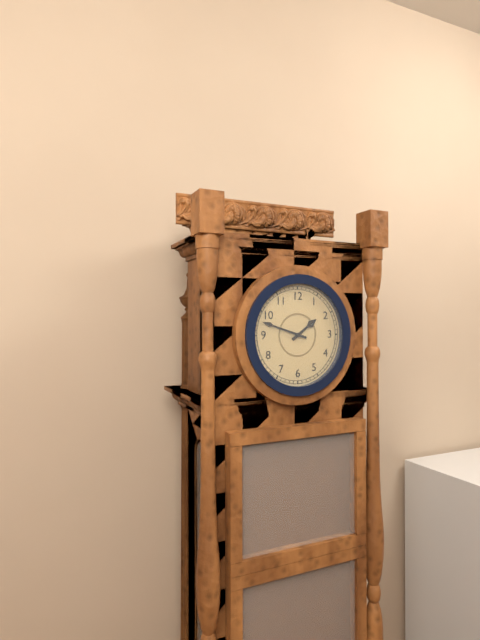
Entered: 1.48
